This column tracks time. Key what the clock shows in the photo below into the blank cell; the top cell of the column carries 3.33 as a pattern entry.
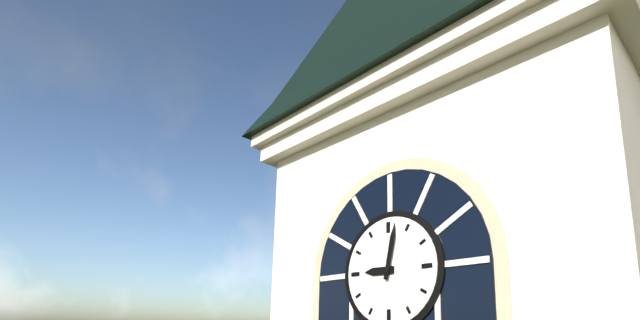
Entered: 9.02
